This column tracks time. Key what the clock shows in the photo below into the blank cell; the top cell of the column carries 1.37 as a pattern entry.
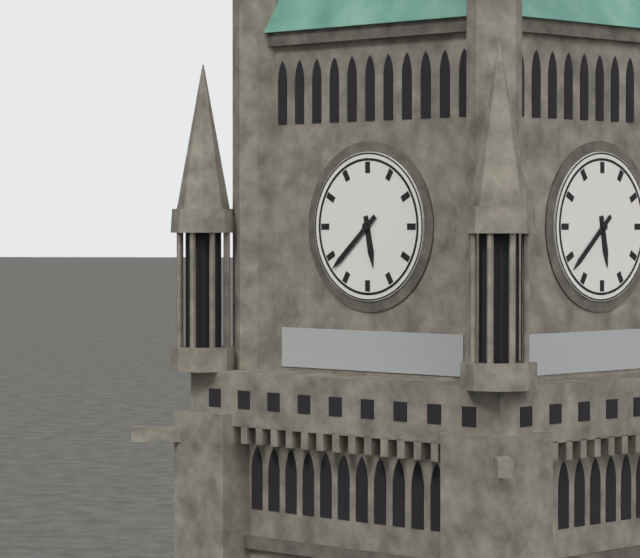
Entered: 5.38
